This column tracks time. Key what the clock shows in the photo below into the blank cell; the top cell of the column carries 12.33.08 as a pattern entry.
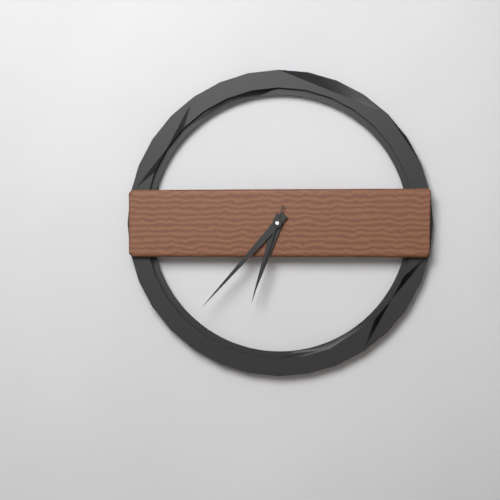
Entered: 6.37.33
